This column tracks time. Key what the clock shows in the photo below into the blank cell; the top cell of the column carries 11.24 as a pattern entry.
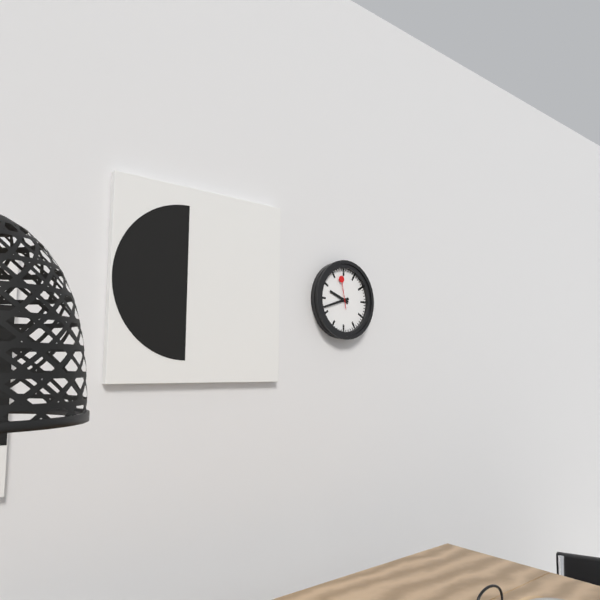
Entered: 9.42
